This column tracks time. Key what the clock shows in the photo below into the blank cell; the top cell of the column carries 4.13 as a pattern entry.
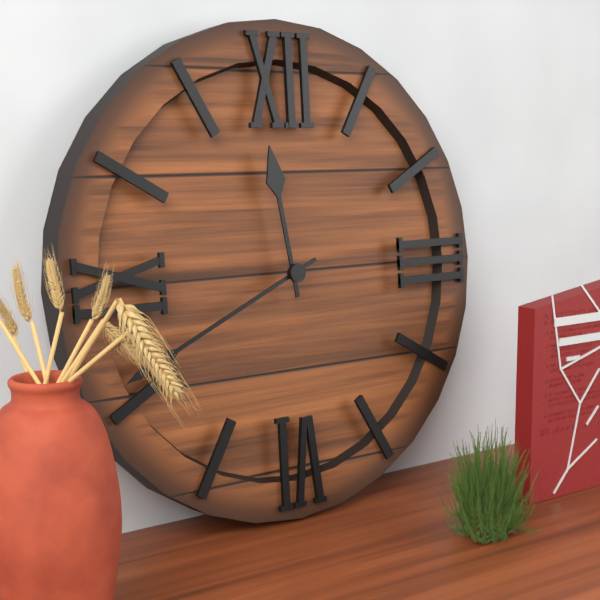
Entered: 11.41
